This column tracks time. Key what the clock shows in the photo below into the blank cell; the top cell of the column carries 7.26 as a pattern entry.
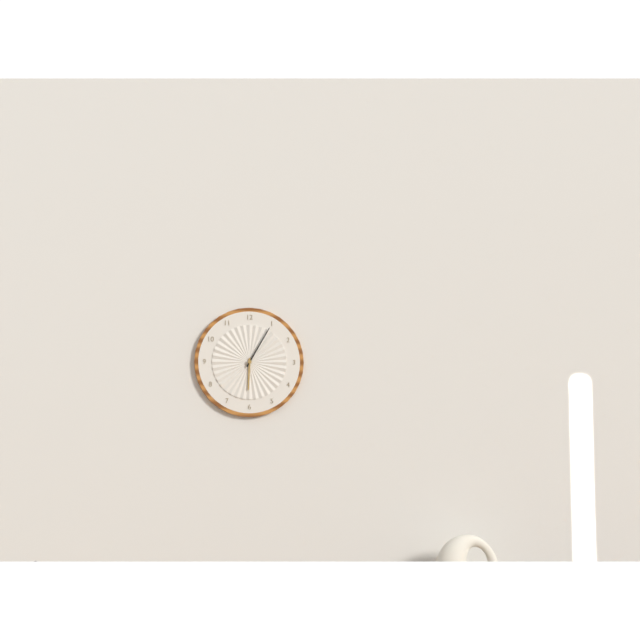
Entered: 6.05
